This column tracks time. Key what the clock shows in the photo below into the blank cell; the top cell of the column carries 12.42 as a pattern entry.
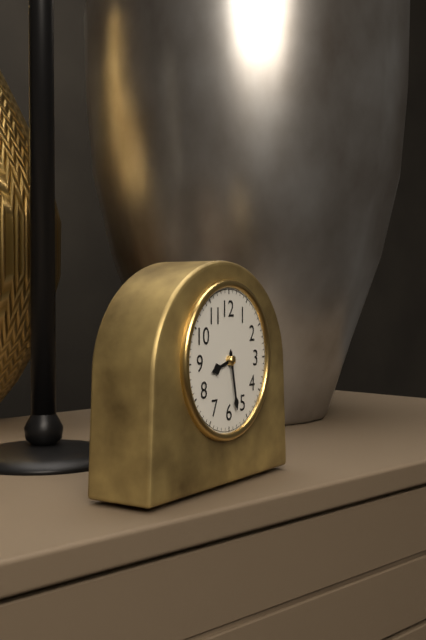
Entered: 8.28
